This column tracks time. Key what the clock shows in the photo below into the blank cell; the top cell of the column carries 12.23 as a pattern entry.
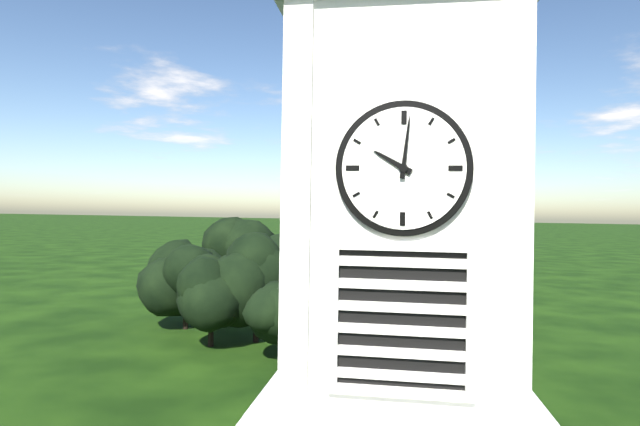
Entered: 10.01
